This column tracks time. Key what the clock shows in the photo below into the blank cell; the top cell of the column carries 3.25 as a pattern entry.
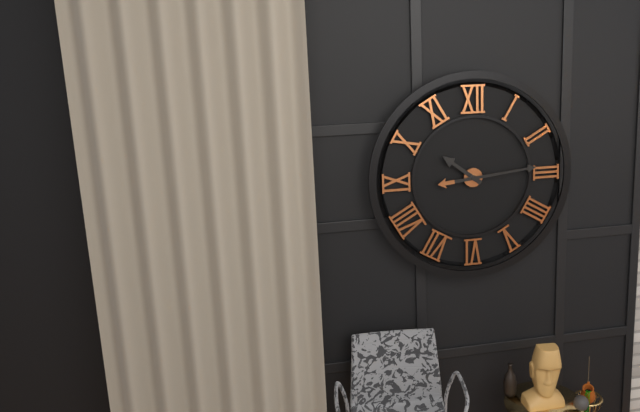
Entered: 10.14
